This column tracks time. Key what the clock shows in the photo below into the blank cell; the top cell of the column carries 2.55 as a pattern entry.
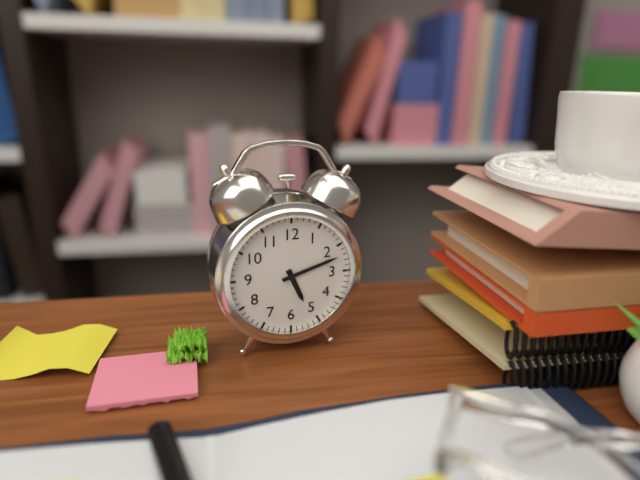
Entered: 5.12
